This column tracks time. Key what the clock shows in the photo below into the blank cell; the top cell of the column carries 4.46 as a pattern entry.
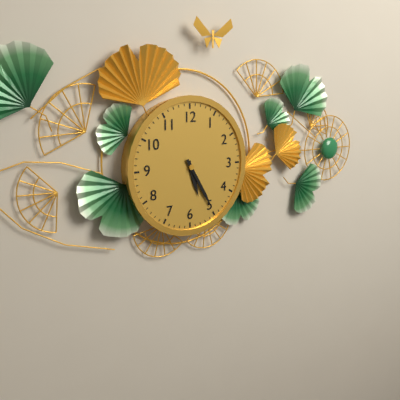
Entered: 5.25
